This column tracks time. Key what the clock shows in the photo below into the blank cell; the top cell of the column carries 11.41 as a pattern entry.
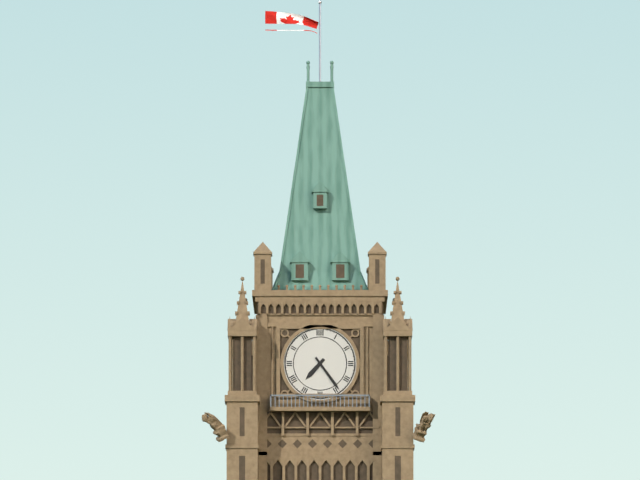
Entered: 7.24
